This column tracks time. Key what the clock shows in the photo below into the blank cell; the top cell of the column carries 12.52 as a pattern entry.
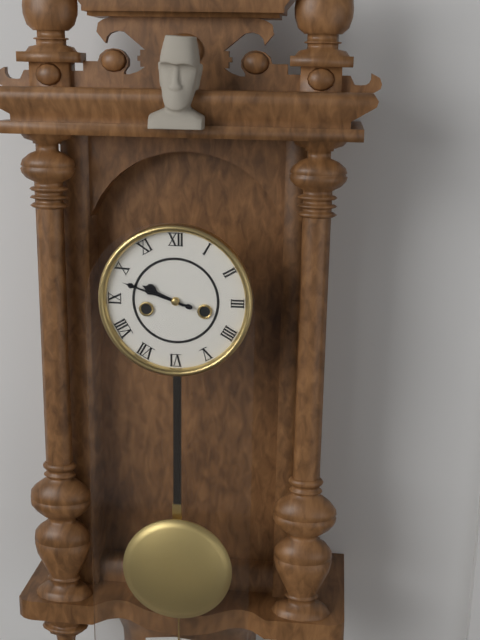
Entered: 9.48
